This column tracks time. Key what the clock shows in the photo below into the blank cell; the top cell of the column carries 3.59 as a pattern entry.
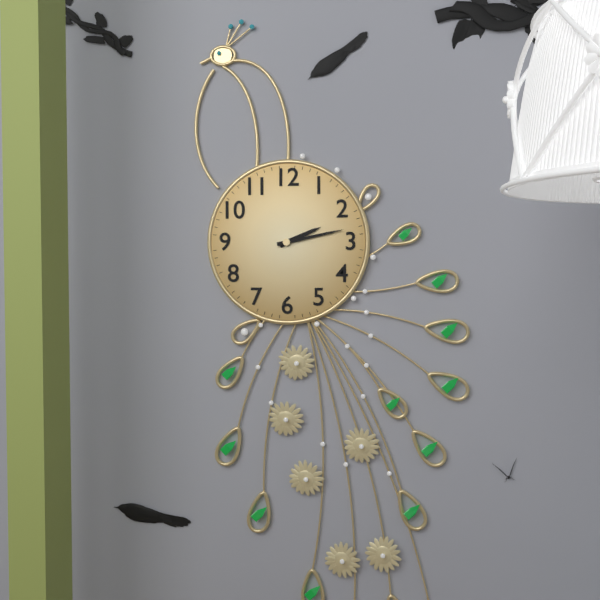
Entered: 2.13
